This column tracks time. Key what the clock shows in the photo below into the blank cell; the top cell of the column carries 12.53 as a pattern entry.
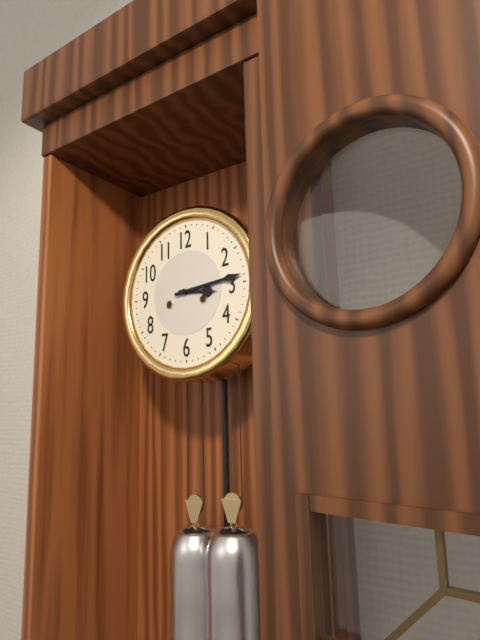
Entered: 3.14
